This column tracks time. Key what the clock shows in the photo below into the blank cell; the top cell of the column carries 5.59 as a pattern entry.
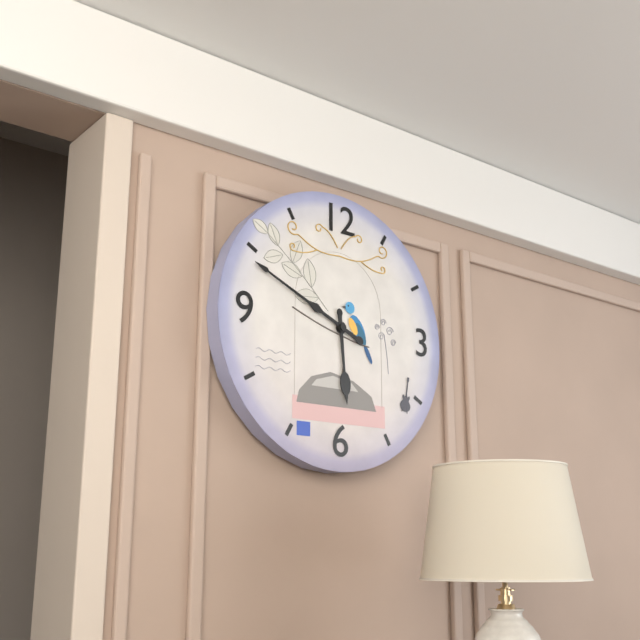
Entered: 5.49
